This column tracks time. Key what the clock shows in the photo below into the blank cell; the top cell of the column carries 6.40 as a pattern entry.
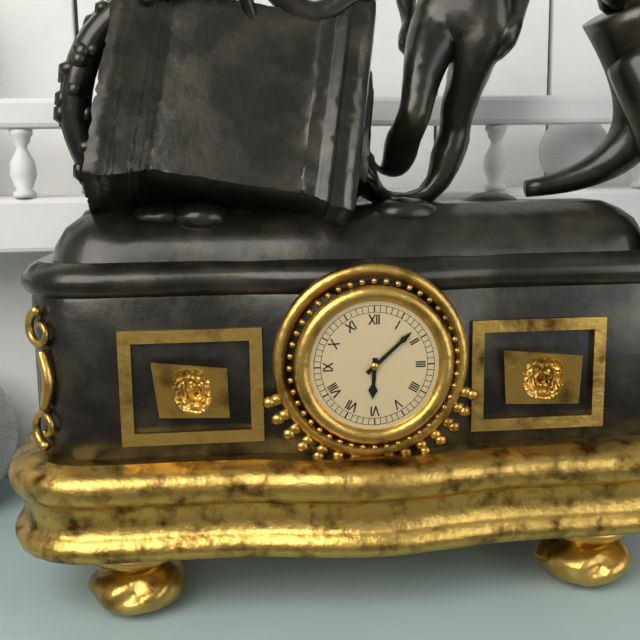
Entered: 6.08
